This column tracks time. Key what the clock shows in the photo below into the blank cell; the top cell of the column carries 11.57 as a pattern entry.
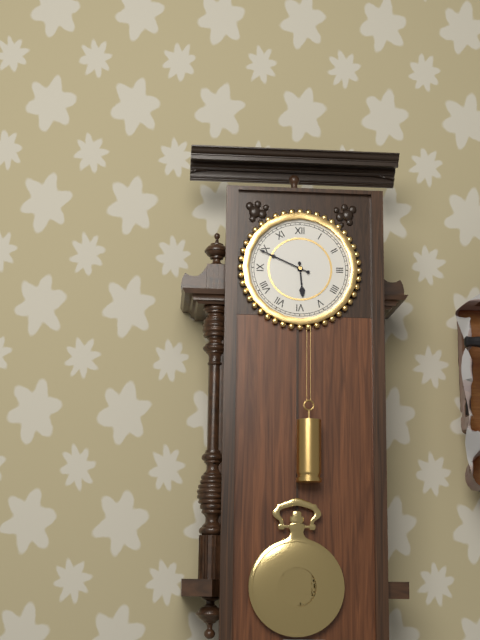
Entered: 5.49
